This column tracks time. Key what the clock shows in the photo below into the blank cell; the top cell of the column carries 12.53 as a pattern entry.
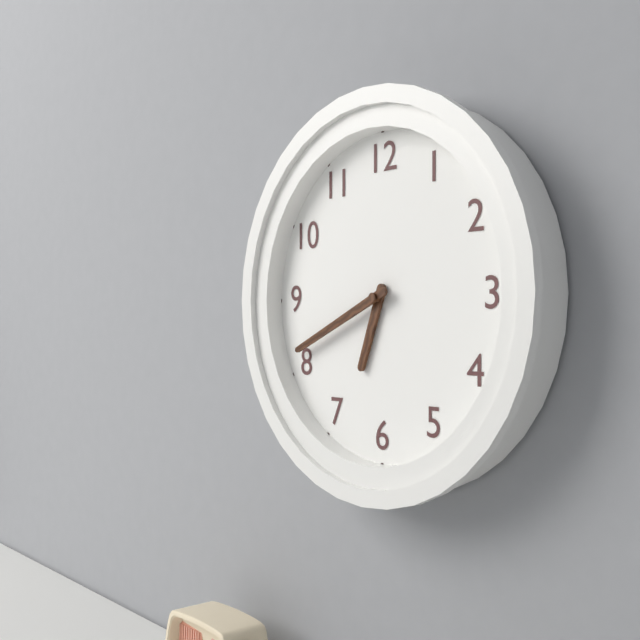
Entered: 6.41
